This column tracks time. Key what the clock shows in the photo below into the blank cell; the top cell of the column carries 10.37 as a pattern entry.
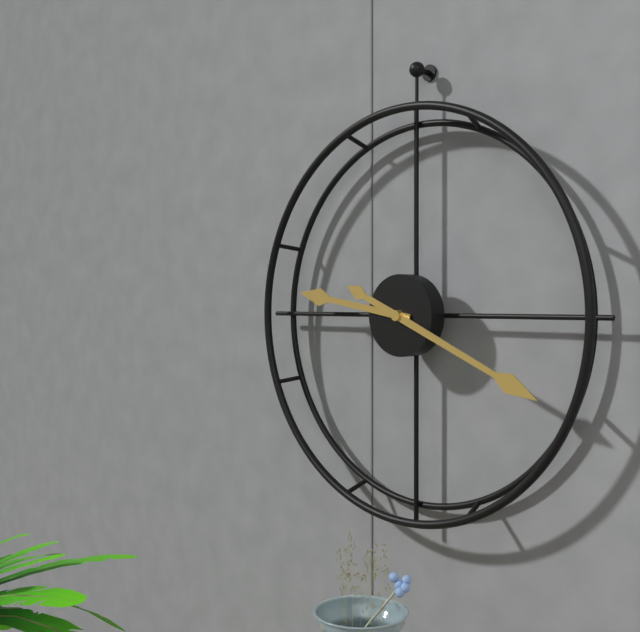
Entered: 9.19
